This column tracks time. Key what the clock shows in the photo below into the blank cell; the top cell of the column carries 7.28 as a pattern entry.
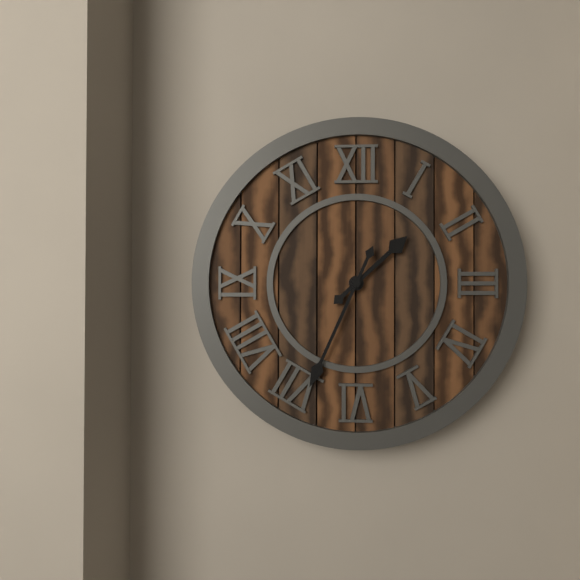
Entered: 1.34
